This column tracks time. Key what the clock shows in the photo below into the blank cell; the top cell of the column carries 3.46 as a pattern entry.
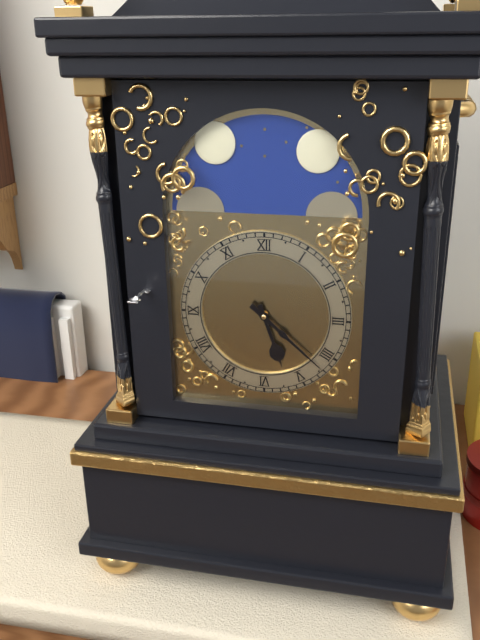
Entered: 5.22
